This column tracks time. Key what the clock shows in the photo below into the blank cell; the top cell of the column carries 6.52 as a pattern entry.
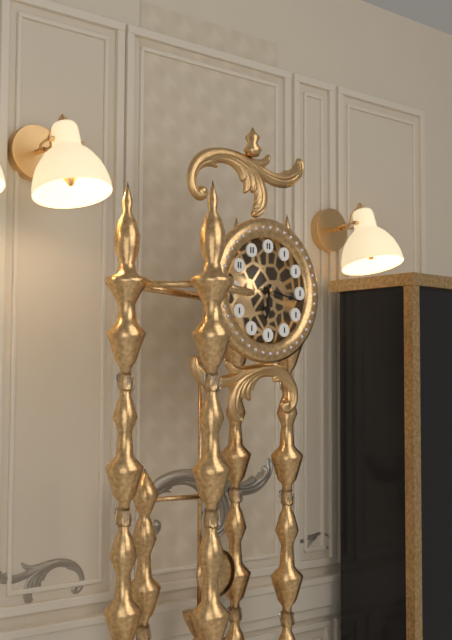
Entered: 6.17
